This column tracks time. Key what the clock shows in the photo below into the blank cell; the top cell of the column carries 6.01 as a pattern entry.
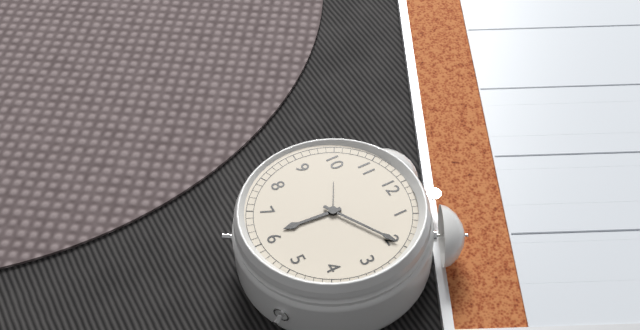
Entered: 6.10
